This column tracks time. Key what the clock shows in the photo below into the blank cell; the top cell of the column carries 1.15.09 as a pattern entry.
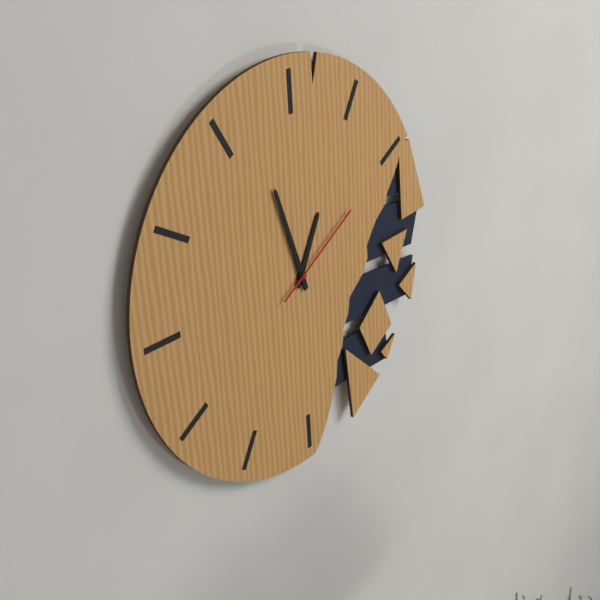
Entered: 12.57.10
